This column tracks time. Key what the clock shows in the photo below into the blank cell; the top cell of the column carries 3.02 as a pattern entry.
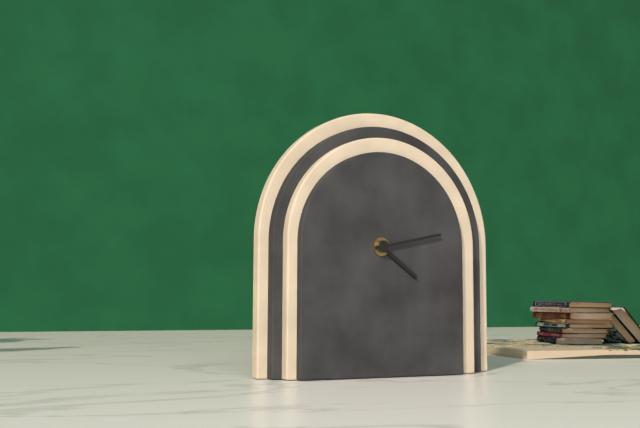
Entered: 4.13
